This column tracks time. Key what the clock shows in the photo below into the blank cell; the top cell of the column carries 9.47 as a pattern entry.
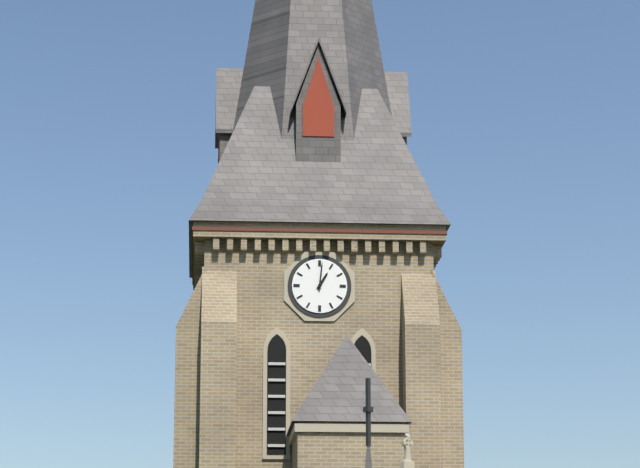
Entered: 1.01
